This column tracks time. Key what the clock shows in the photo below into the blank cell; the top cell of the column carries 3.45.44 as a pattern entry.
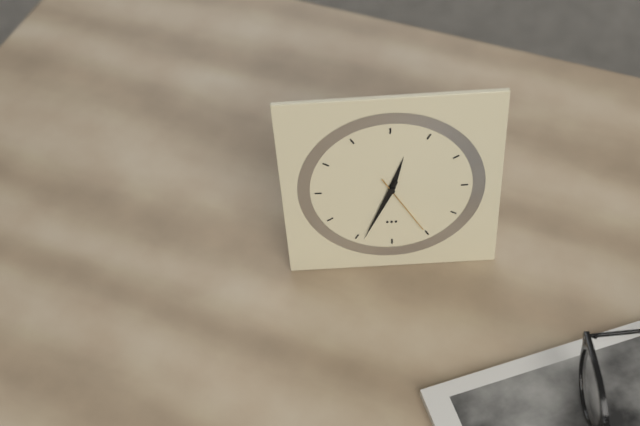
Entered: 12.34.25
